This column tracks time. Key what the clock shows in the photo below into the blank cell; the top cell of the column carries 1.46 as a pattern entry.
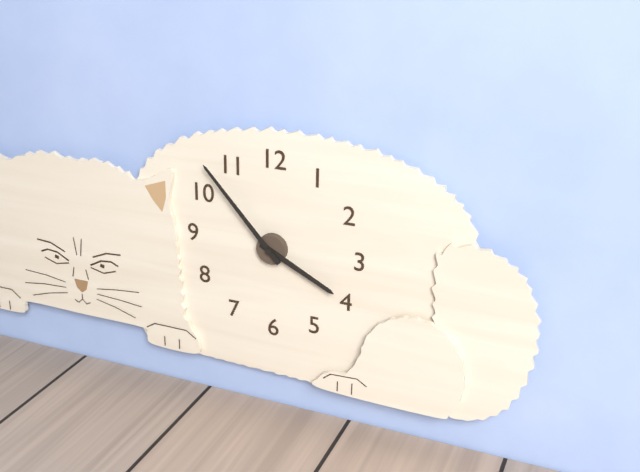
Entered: 3.53
